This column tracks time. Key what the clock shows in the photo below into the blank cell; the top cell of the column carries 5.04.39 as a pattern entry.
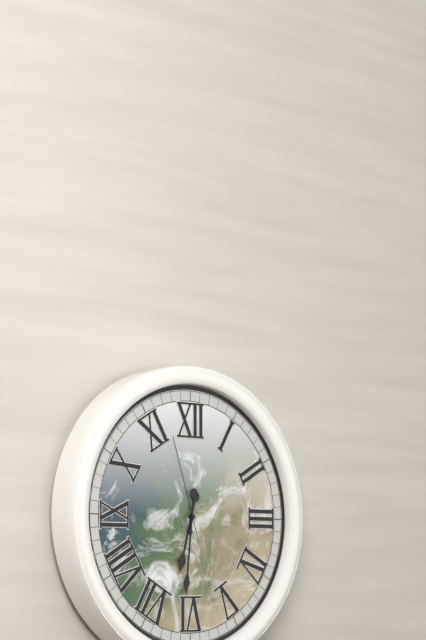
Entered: 6.31.57
